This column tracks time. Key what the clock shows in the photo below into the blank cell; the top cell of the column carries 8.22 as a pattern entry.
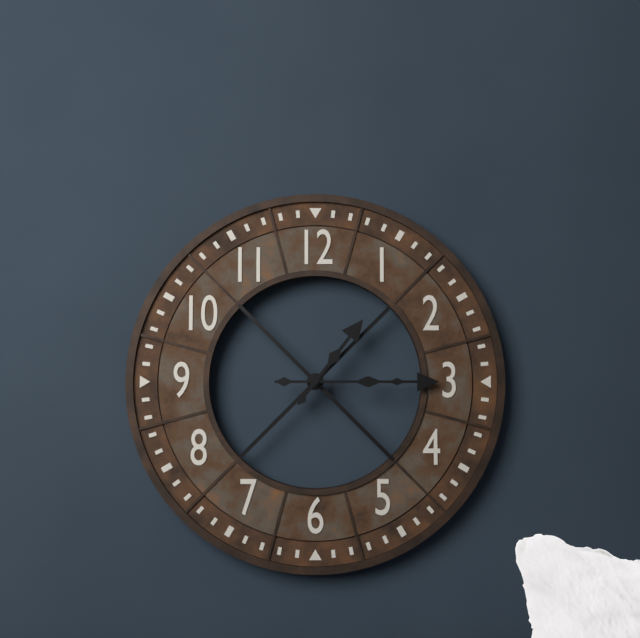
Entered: 1.15
